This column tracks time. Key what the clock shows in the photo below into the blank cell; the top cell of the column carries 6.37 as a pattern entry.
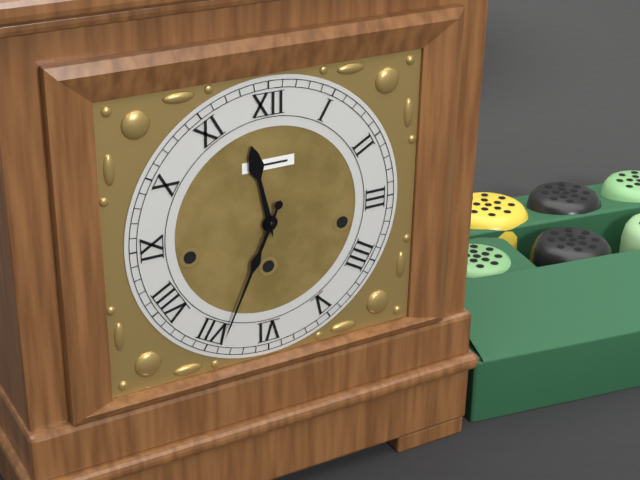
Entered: 11.34
